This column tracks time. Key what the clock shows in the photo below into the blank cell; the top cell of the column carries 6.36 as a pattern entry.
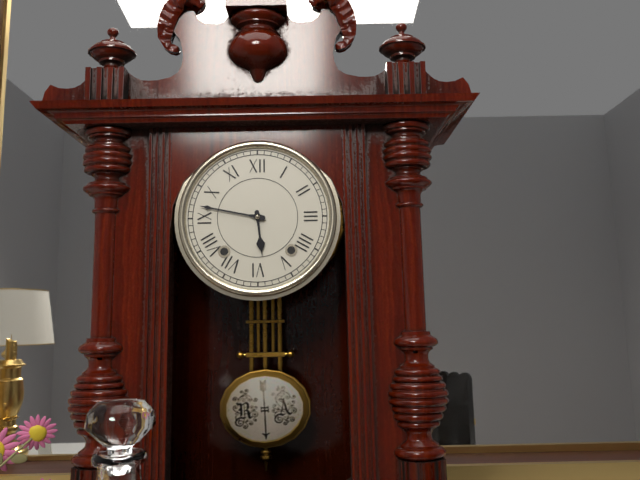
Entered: 5.47
